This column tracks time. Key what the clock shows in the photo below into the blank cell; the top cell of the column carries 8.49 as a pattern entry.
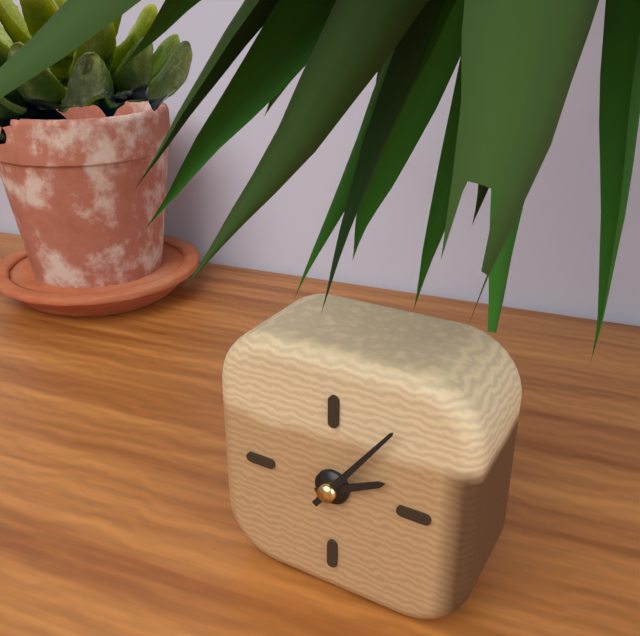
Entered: 2.06
